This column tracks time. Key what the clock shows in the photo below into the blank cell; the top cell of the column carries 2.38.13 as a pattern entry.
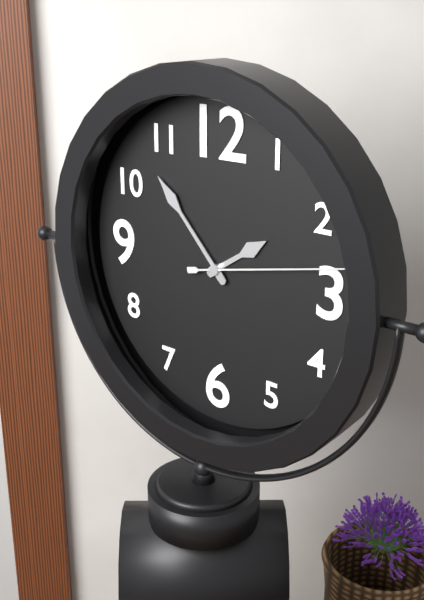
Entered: 1.53.13
